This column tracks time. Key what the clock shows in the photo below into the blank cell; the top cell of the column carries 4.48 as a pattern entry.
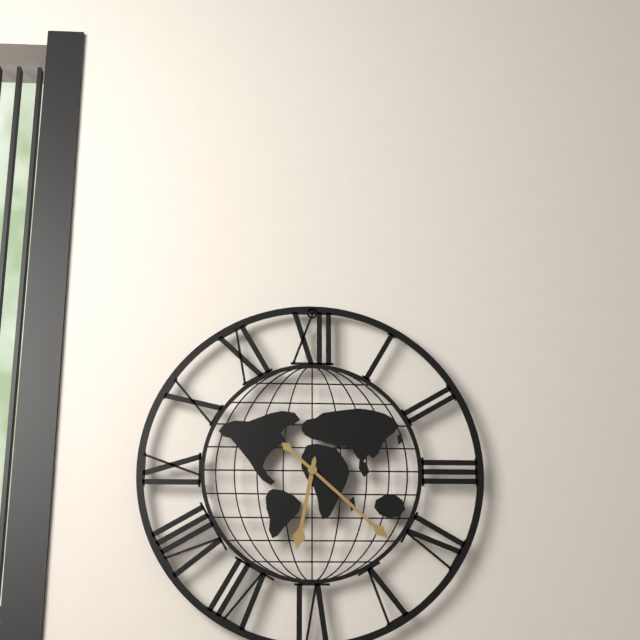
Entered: 6.22
